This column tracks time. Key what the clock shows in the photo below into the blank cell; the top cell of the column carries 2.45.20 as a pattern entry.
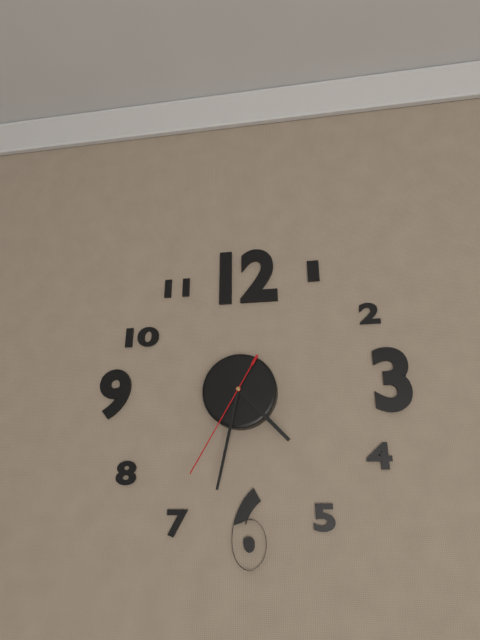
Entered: 4.32.35
